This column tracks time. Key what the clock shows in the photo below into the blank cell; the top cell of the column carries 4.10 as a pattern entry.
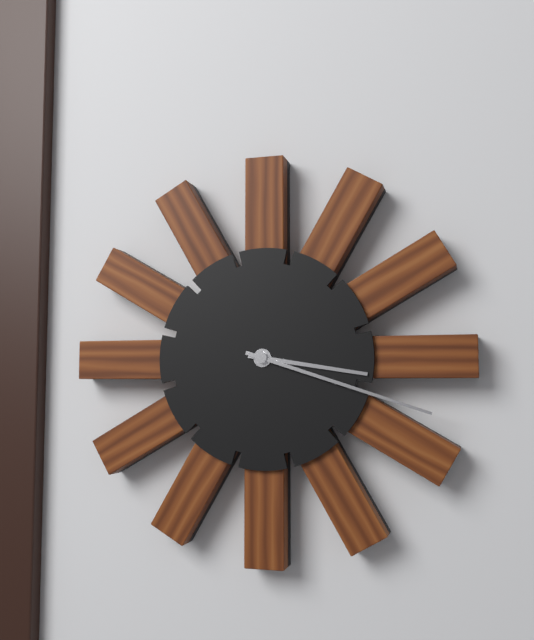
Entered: 3.18
